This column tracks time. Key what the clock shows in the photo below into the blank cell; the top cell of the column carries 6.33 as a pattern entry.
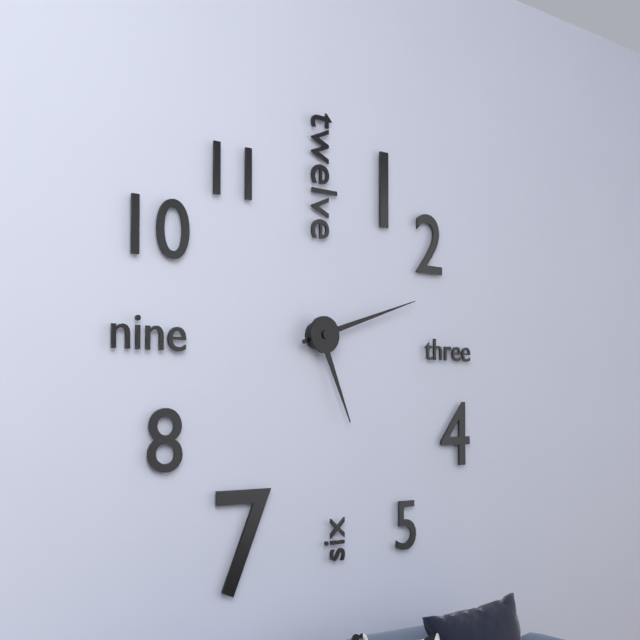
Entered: 5.12
